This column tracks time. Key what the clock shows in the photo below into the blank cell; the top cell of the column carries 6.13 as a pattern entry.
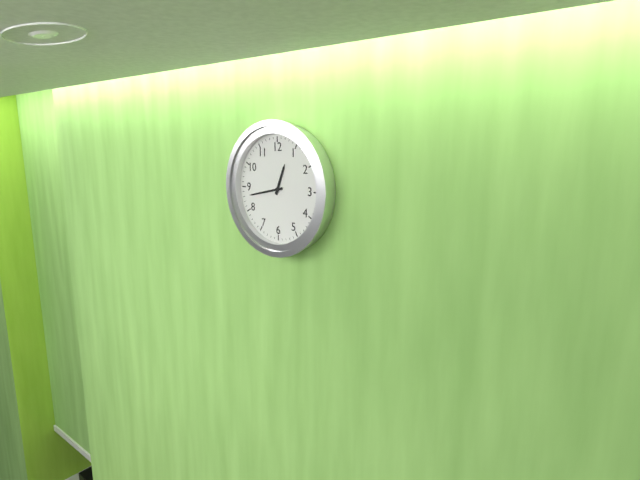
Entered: 12.43
